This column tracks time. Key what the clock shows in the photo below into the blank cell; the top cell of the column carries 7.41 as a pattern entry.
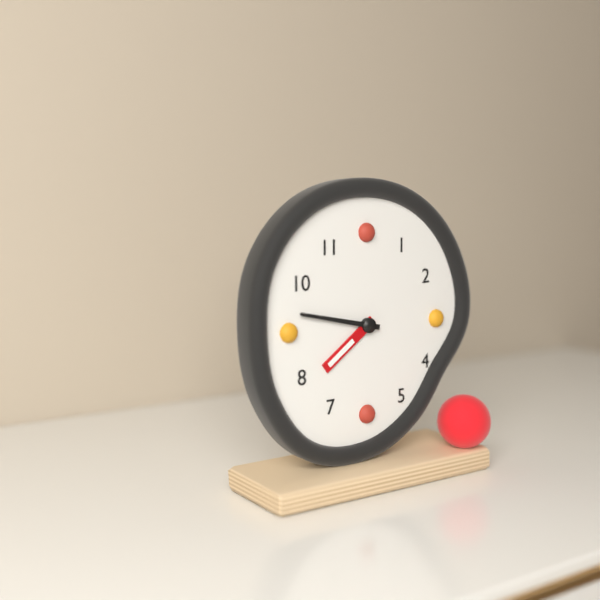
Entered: 7.47
